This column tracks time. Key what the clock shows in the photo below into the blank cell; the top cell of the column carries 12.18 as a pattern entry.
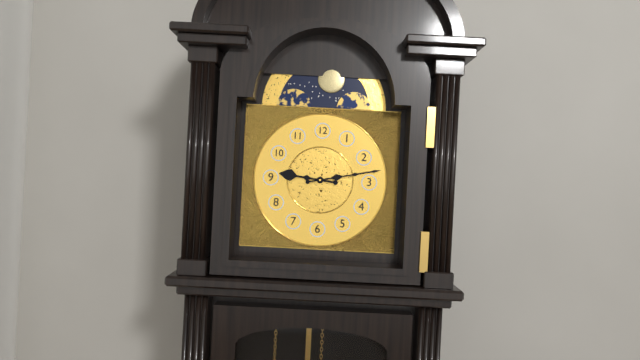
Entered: 9.13
